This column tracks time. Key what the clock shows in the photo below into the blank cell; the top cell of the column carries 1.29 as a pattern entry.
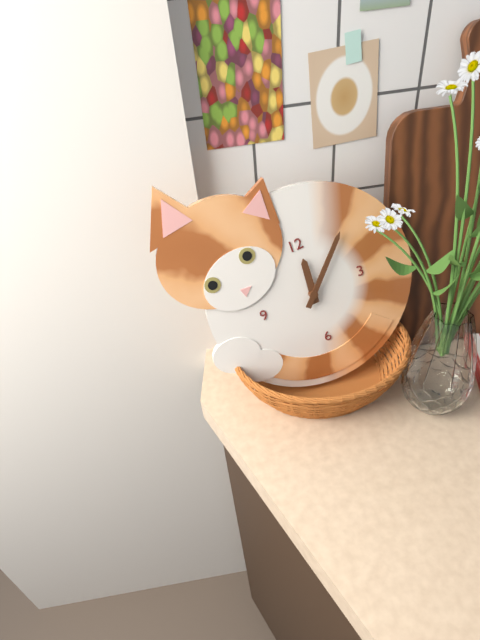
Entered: 12.07
